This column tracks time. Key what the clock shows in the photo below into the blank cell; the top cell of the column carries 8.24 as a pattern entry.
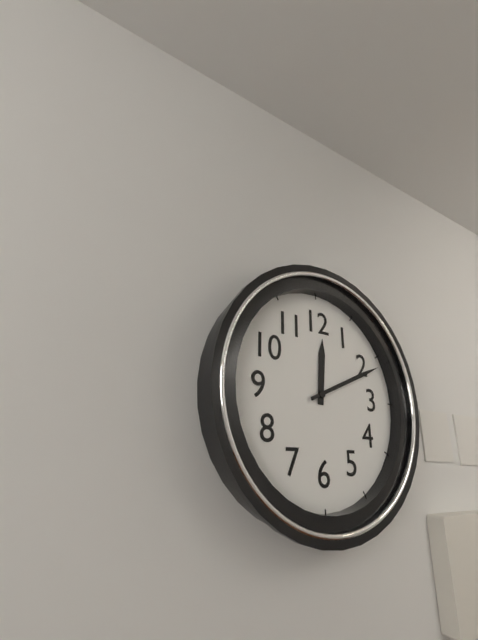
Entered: 12.11
